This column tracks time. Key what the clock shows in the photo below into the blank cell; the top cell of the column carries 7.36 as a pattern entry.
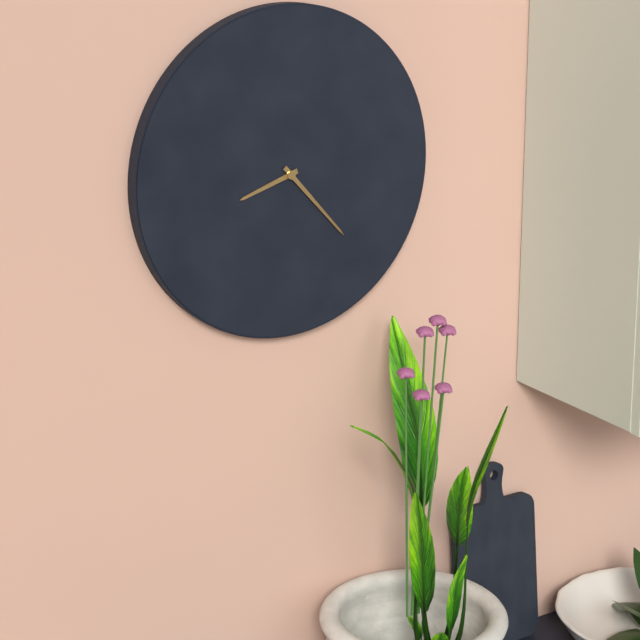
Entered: 8.23
